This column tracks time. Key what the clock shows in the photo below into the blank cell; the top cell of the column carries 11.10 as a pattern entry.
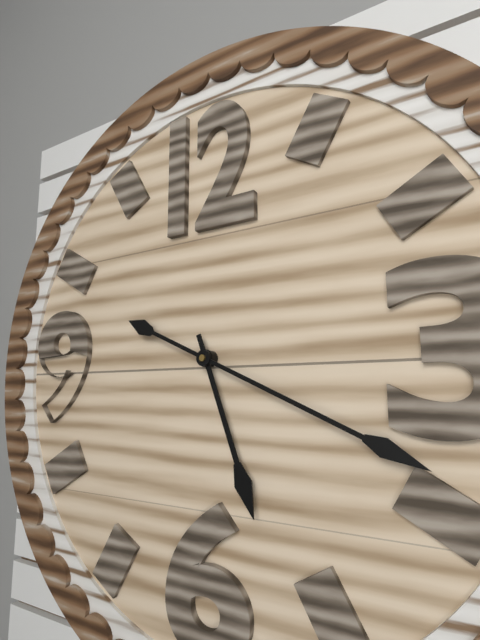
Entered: 5.19
